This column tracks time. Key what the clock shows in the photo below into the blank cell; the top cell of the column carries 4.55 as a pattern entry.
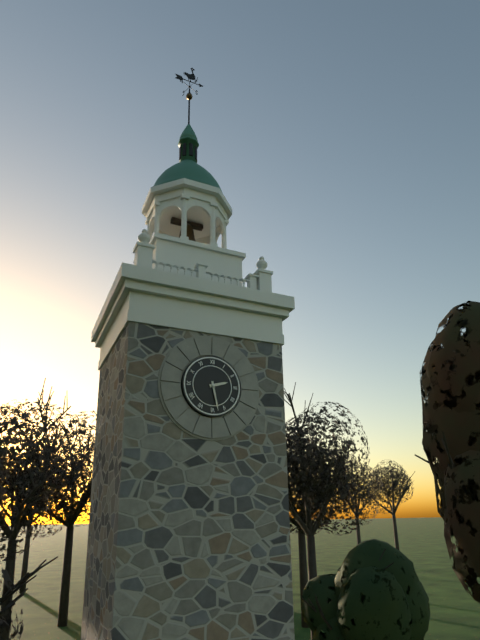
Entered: 2.28
